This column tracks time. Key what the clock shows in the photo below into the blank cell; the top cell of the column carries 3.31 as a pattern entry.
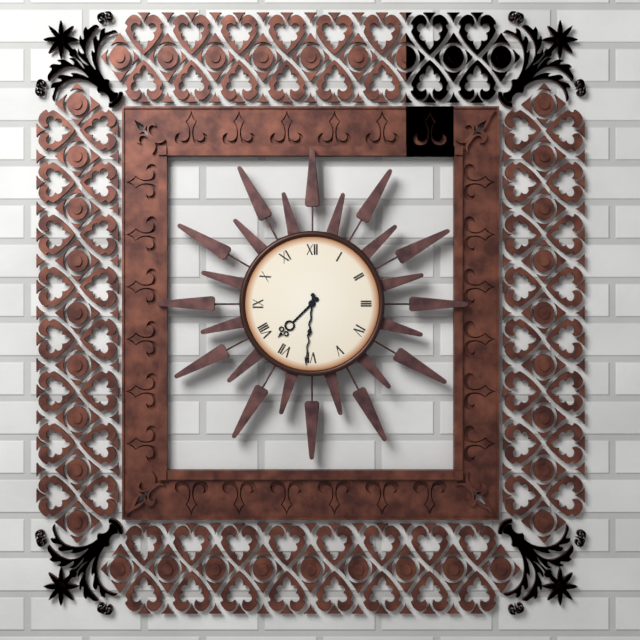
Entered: 7.31
